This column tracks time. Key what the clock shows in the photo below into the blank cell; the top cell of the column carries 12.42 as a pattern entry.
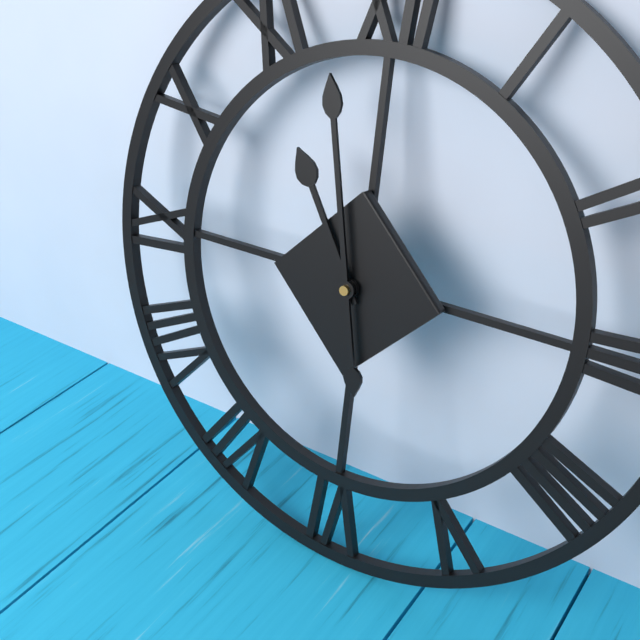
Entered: 10.58
